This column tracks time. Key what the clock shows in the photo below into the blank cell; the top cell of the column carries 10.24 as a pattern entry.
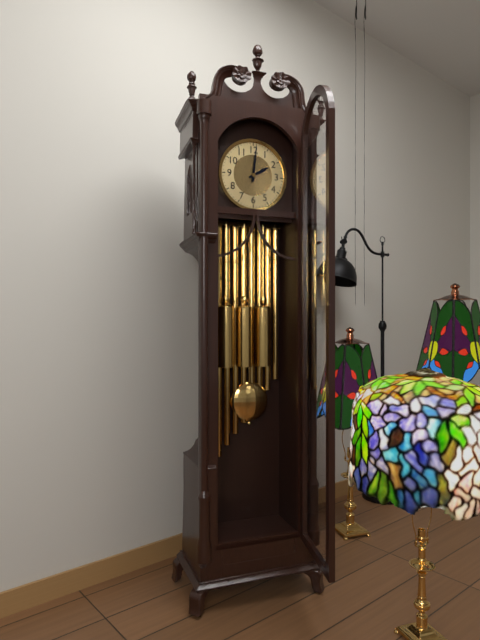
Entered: 2.01
